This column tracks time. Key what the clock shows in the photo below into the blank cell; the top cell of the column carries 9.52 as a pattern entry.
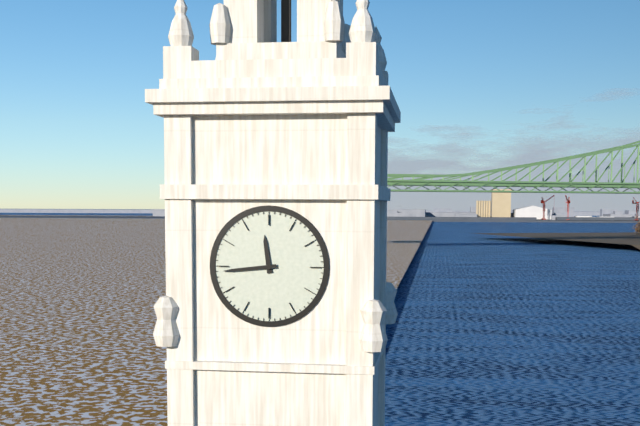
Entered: 11.44
